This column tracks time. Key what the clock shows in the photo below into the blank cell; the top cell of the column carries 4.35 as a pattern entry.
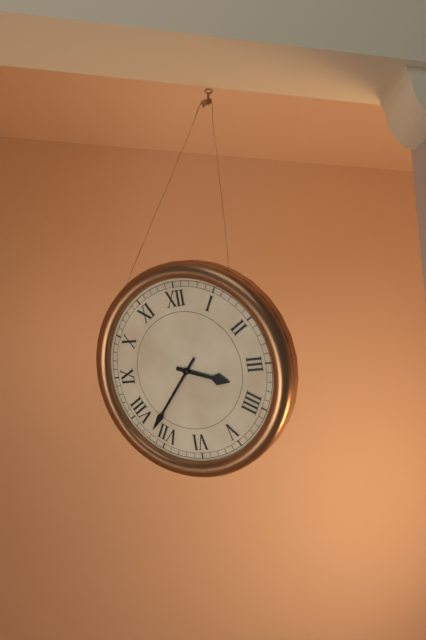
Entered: 3.37
